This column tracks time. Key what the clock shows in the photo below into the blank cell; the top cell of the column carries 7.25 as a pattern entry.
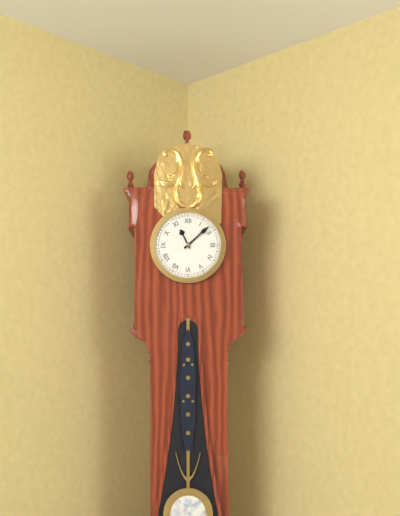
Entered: 11.08
